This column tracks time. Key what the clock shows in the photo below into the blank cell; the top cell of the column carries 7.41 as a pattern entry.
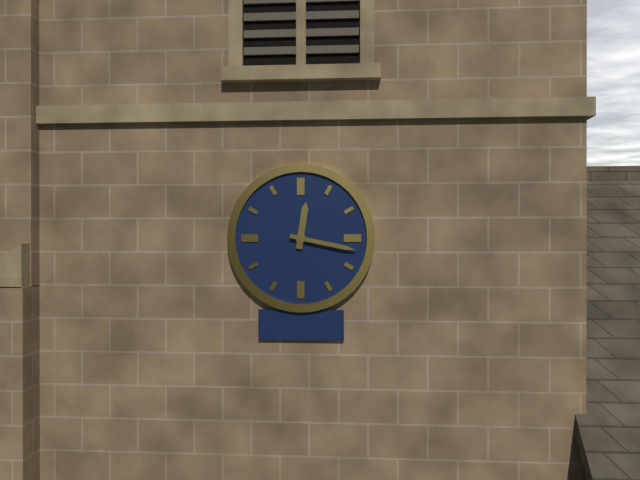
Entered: 12.17
